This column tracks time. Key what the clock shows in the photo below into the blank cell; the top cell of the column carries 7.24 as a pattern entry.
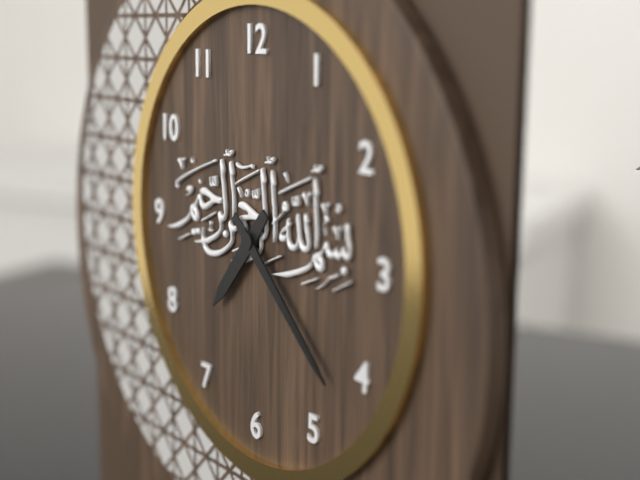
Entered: 7.22
